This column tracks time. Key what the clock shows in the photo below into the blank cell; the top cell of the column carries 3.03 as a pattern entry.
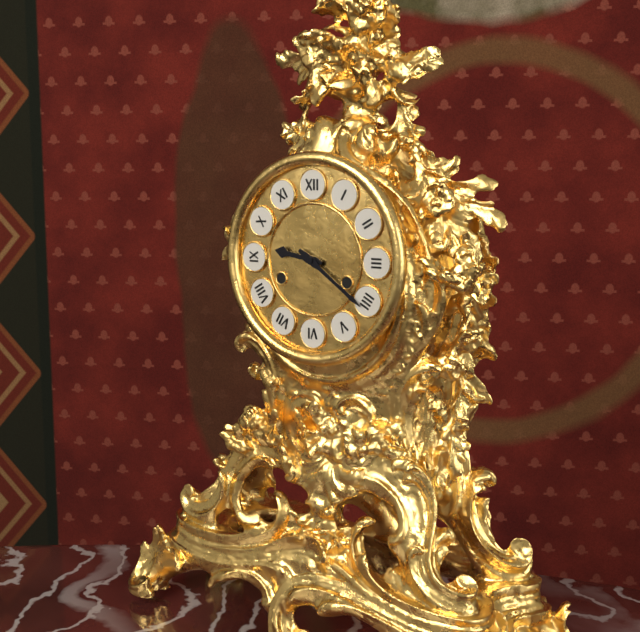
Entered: 9.21
